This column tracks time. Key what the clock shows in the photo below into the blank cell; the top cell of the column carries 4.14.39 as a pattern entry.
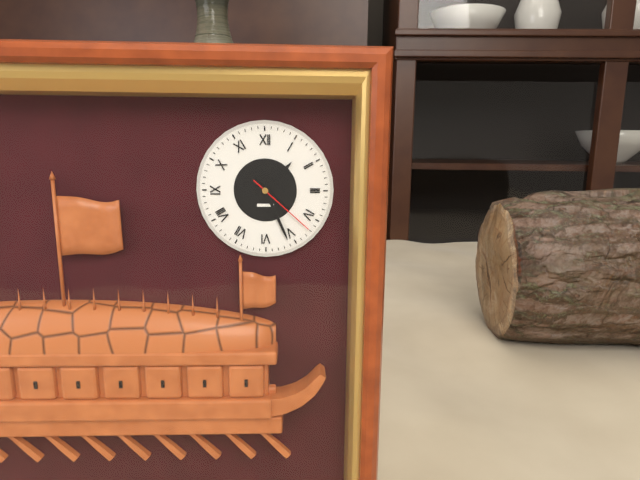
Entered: 1.26.22
